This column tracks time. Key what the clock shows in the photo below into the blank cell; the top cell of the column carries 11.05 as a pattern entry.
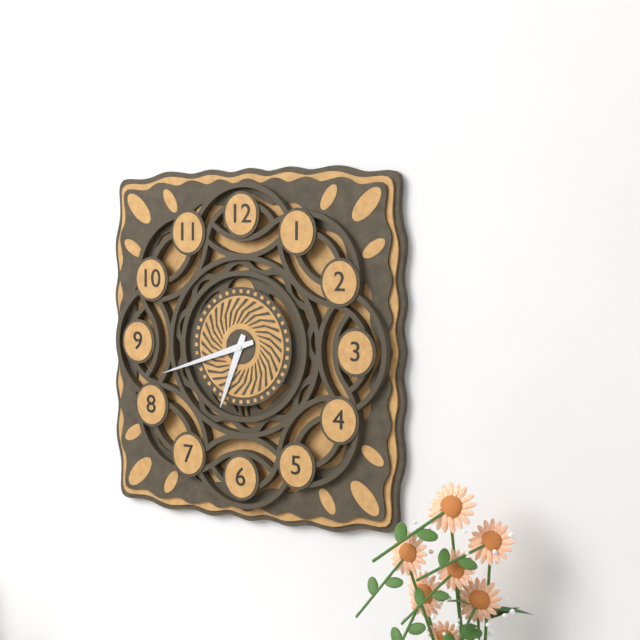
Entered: 6.42
